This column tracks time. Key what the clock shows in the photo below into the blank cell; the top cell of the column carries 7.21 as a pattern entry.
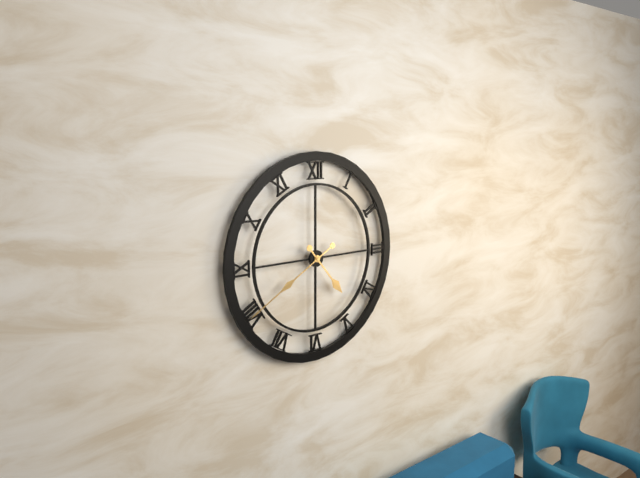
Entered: 4.40
